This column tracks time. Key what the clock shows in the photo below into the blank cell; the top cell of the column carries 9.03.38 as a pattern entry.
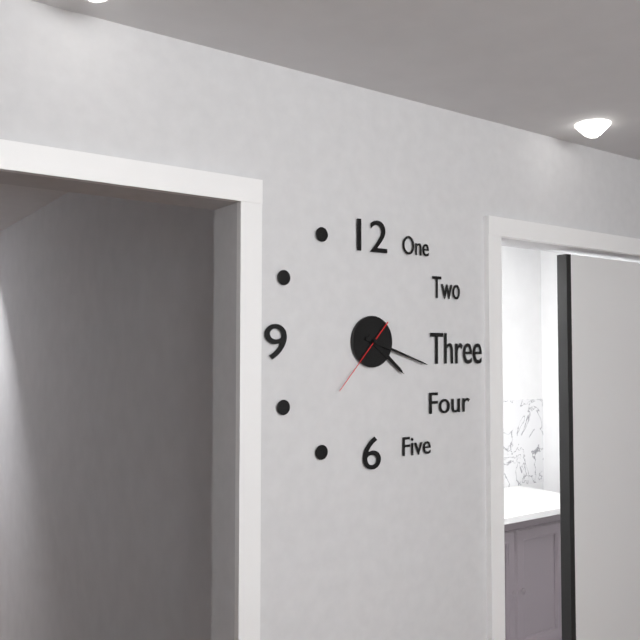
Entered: 4.18.37
